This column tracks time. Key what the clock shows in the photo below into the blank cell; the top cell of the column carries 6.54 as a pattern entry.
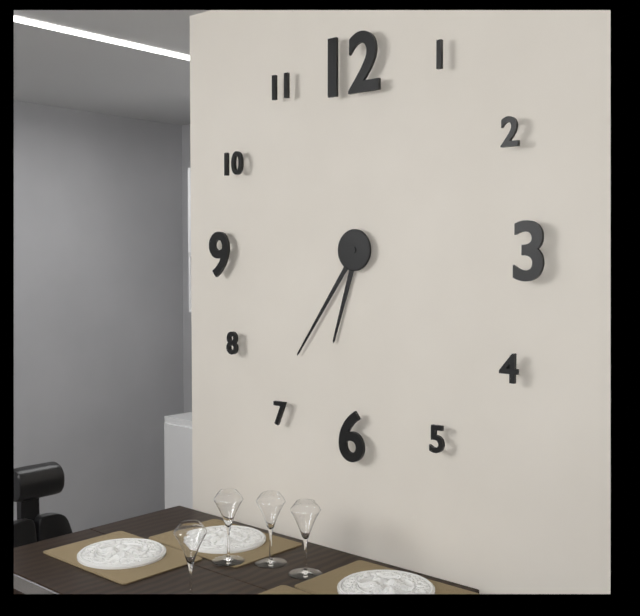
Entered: 6.36
